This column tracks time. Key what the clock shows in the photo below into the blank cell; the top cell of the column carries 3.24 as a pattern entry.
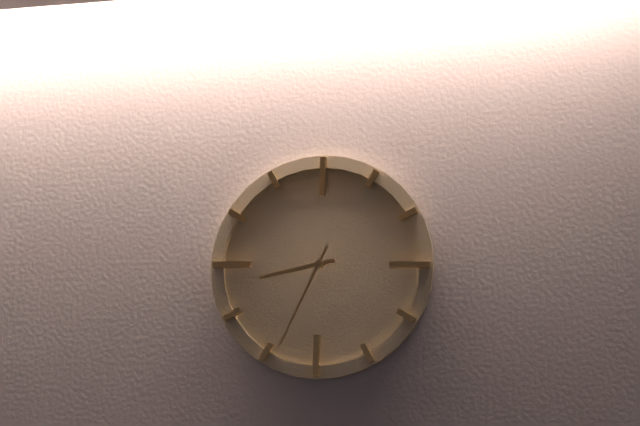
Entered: 8.34
